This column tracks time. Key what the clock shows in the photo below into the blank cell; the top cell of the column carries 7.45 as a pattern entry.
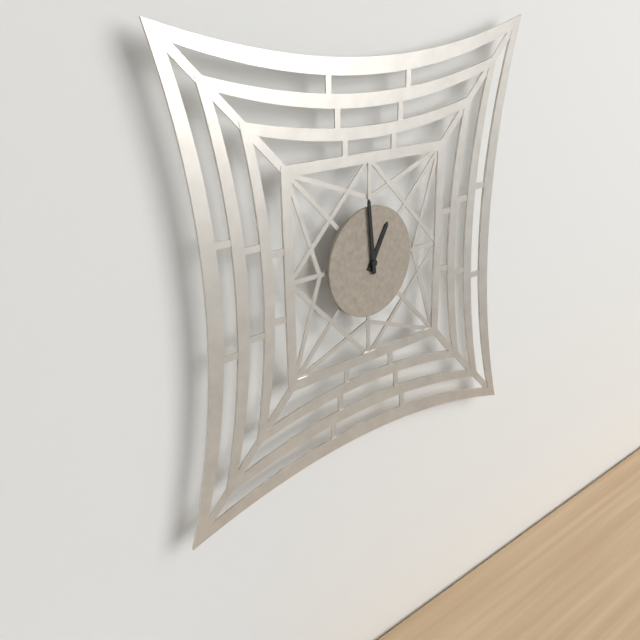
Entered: 12.59
